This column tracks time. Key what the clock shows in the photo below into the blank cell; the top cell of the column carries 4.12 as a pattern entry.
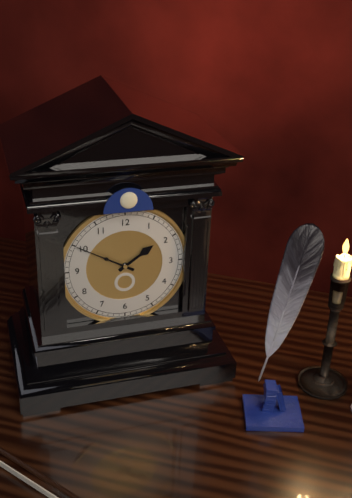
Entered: 1.50
